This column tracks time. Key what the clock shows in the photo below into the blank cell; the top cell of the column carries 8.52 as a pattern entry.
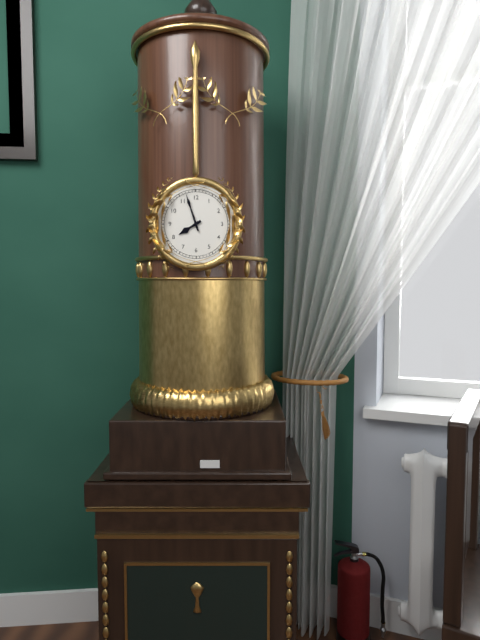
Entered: 7.57
